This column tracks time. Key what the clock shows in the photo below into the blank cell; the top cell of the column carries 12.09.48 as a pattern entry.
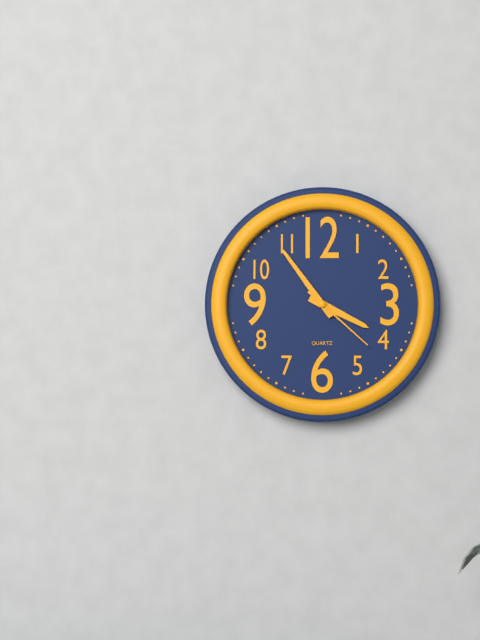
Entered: 3.54.22
